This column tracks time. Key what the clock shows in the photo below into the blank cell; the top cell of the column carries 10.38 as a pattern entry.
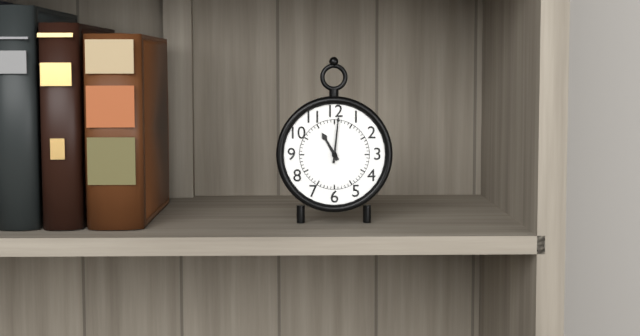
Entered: 11.01
